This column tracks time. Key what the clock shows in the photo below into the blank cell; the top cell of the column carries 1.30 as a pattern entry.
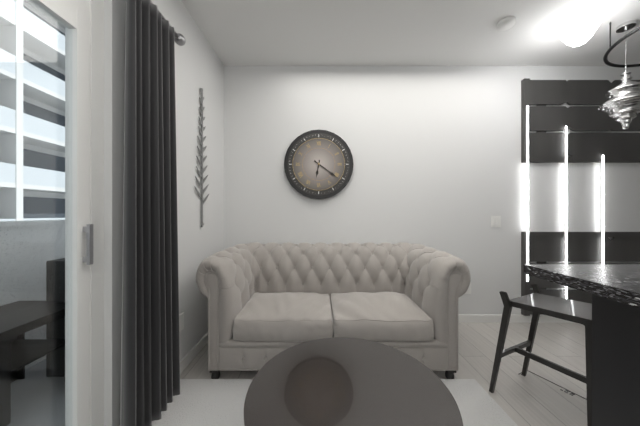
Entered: 6.21
